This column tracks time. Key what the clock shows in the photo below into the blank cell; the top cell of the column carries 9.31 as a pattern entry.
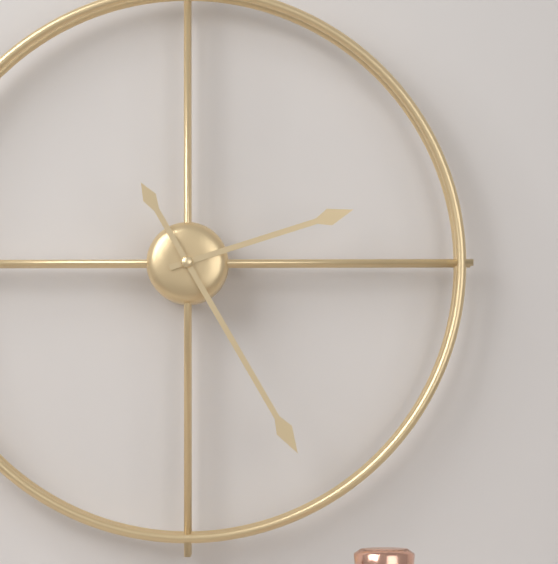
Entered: 2.25
